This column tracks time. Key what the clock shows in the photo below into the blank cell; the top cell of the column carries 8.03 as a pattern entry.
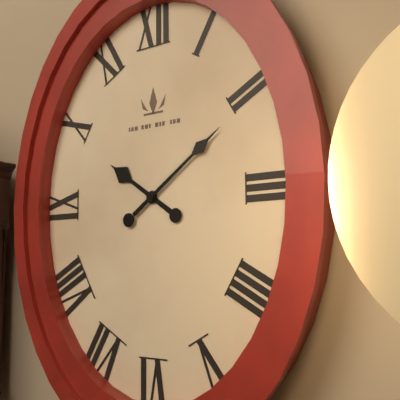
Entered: 10.09
